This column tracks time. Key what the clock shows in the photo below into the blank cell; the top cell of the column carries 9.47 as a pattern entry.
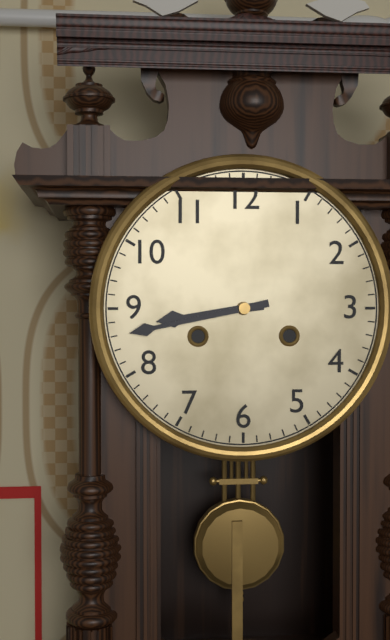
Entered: 8.43
